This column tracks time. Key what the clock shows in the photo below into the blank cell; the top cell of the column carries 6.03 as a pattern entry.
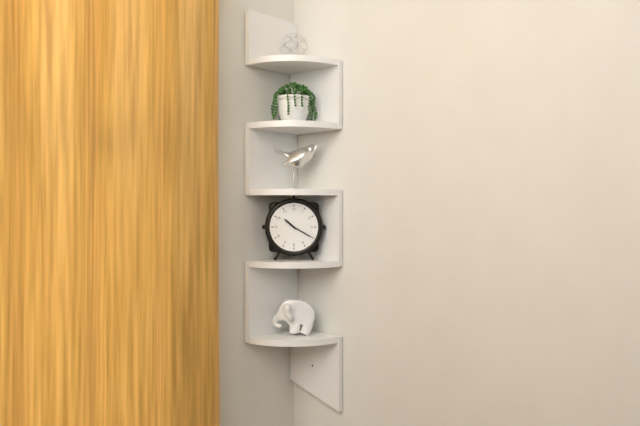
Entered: 10.20
